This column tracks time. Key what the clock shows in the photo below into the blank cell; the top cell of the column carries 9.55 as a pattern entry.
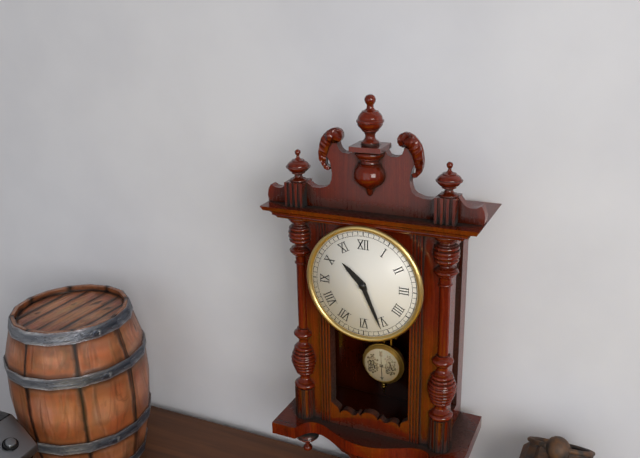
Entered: 10.26
